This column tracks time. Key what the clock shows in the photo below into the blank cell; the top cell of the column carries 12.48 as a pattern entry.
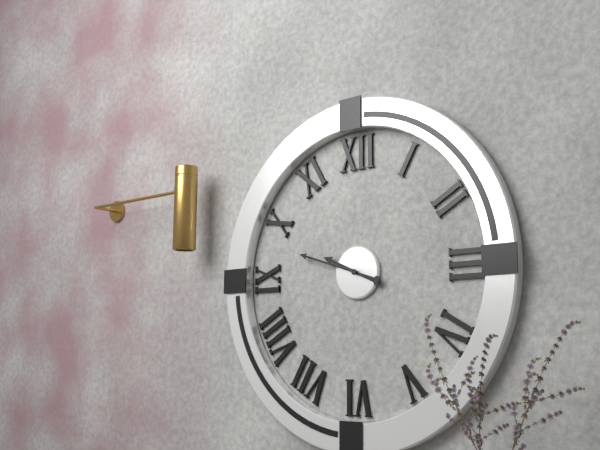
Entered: 9.48
